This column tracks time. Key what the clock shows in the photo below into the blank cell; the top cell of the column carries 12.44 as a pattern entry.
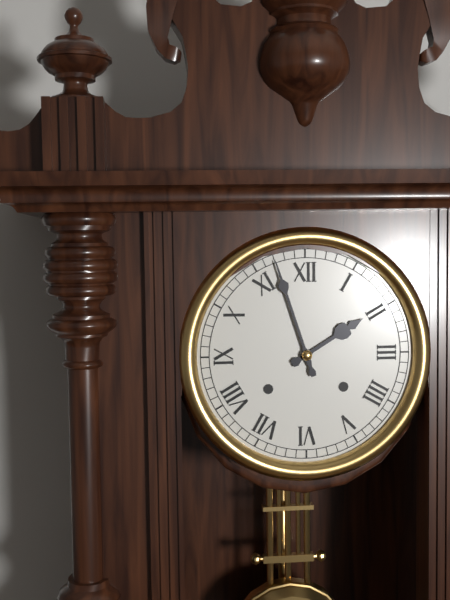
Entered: 1.57
